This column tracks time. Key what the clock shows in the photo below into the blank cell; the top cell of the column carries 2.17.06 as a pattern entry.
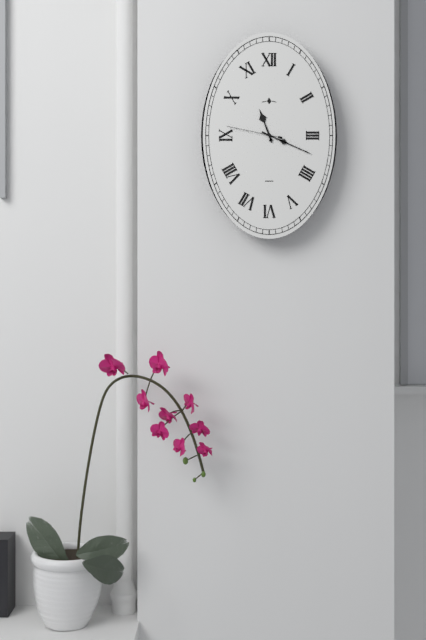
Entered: 11.19.47
